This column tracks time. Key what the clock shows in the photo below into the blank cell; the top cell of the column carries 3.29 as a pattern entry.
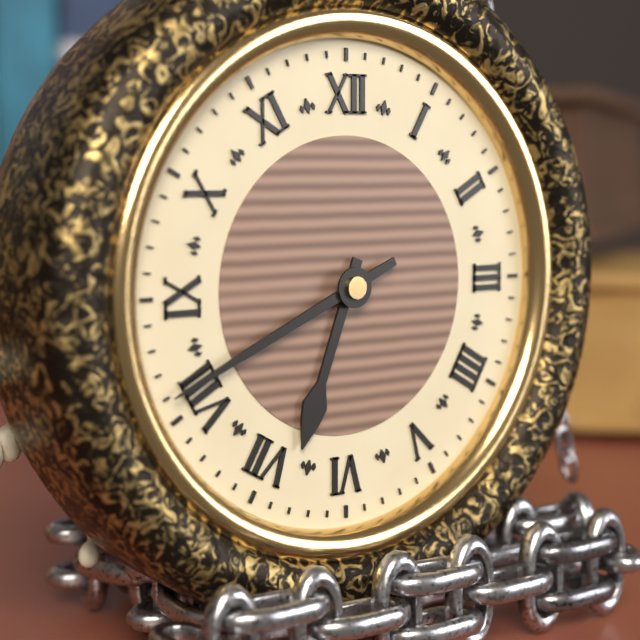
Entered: 6.41
